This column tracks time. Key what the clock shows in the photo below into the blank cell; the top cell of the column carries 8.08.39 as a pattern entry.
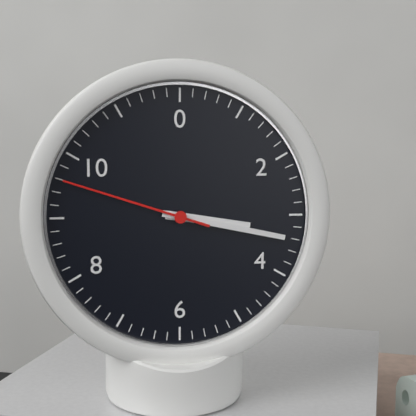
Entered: 3.17.48
